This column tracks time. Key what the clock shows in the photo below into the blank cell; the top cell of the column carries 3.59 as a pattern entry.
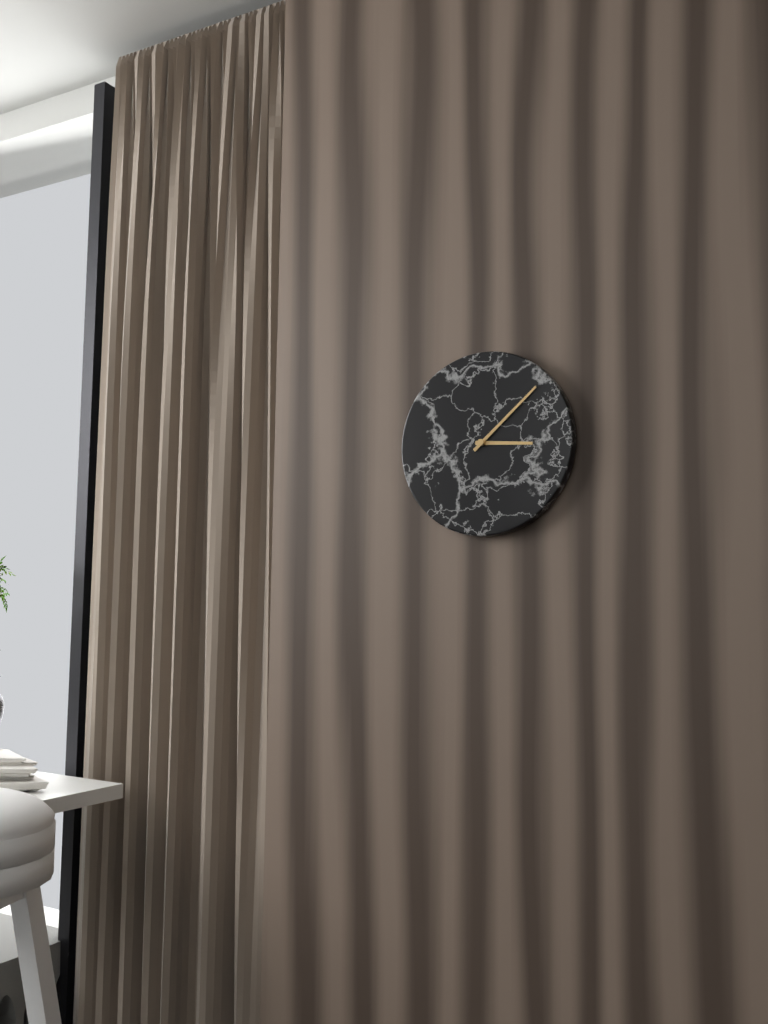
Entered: 3.08
